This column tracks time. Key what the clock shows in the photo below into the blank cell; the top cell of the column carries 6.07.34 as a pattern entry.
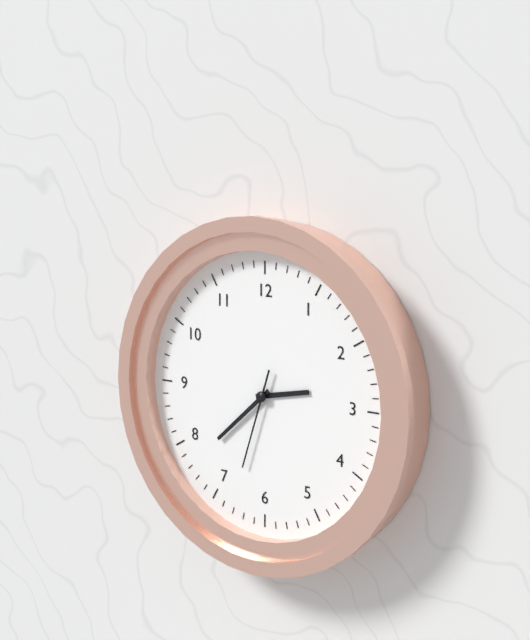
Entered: 2.38.33
